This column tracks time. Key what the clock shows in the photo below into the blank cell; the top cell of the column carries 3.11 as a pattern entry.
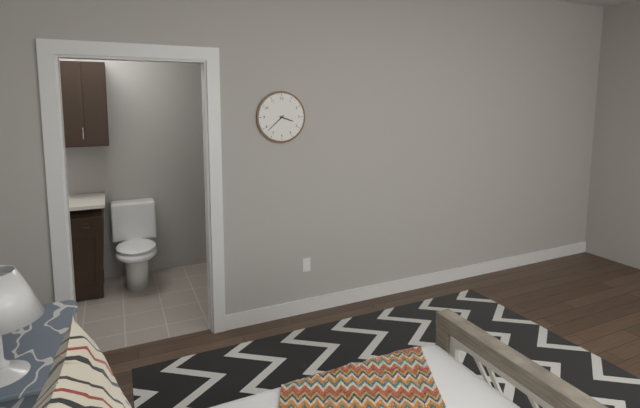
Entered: 3.38
